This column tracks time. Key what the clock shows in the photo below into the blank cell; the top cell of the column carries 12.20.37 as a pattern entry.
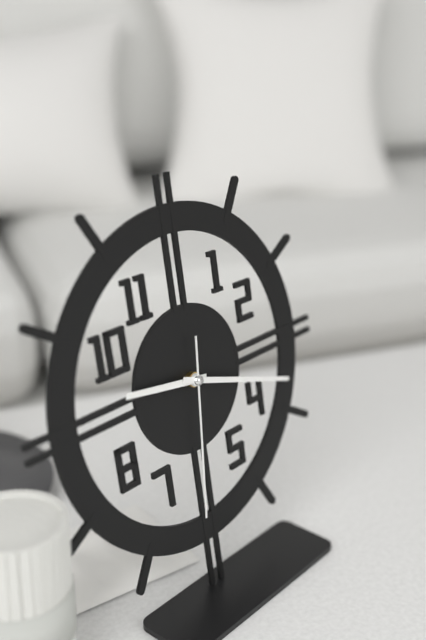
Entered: 9.18.31
